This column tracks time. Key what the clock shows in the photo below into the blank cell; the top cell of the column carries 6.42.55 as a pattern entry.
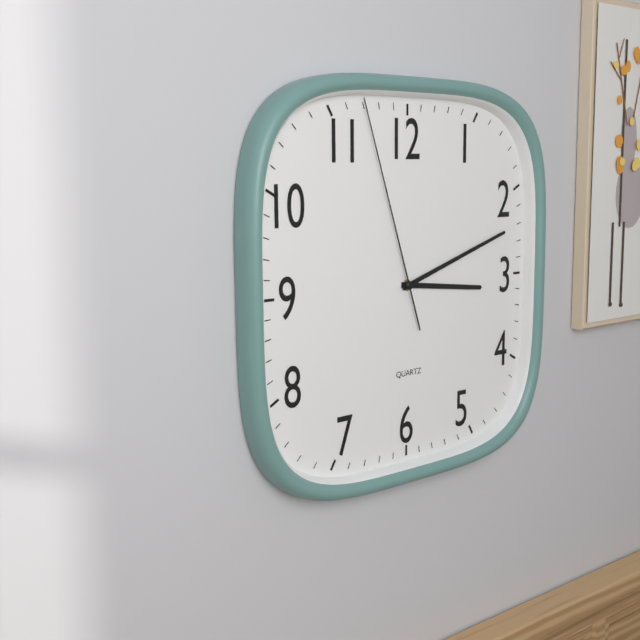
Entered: 3.12.57
